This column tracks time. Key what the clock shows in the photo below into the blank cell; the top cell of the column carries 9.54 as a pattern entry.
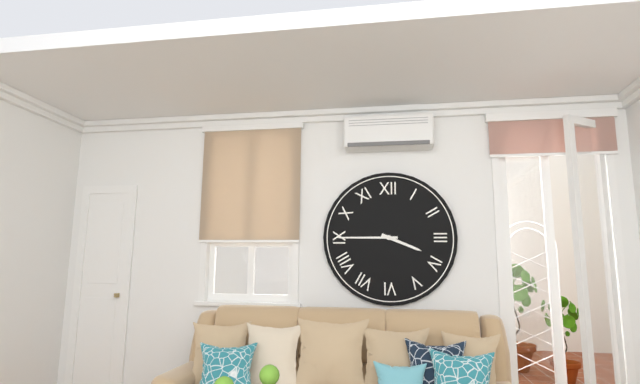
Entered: 3.45
